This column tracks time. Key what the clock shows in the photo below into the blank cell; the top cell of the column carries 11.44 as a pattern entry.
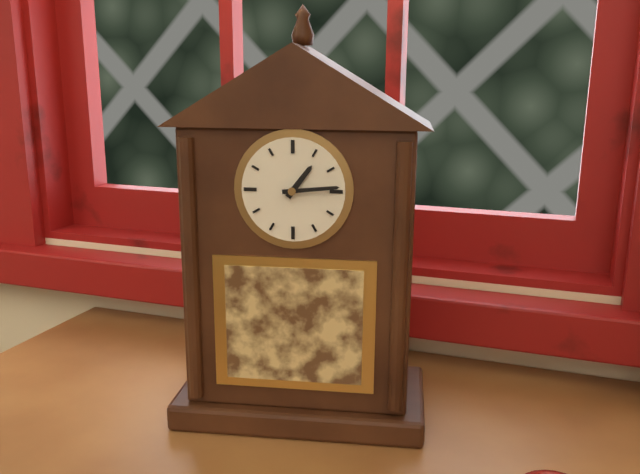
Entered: 1.14
